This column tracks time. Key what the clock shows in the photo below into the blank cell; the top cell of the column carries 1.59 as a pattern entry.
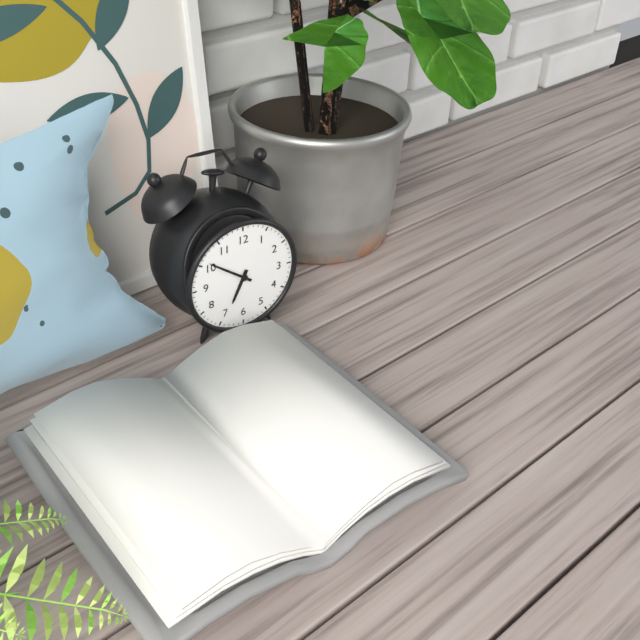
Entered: 6.51
